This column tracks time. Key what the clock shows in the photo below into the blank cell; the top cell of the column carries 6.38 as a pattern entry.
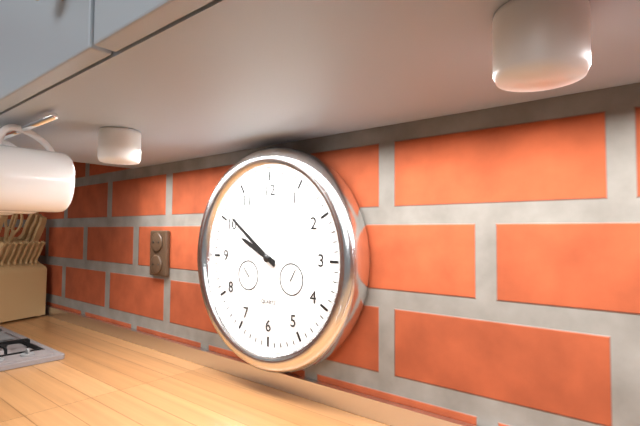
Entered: 9.51
